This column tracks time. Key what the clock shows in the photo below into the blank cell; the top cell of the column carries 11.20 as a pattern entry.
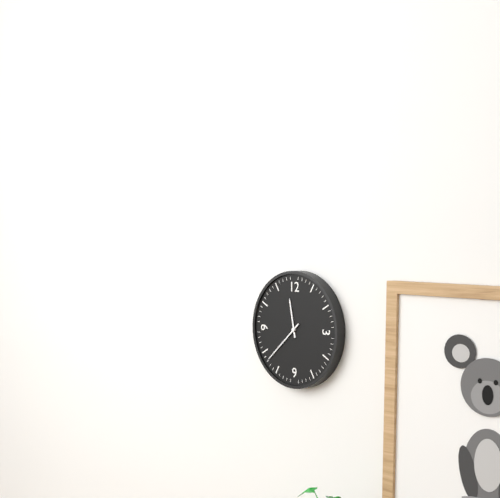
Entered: 11.38
